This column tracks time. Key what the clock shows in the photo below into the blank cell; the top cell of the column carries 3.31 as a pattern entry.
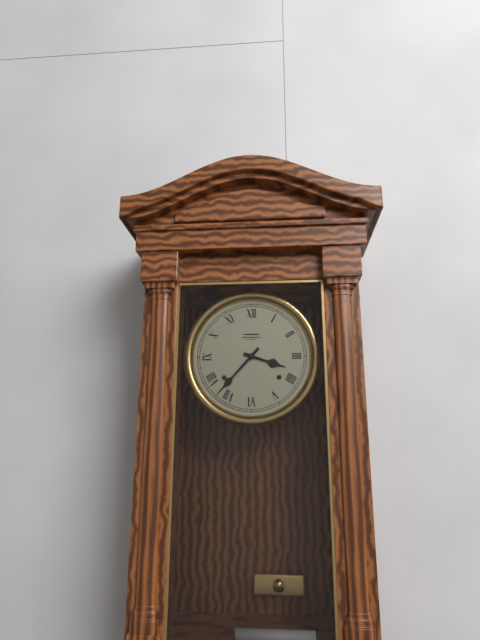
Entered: 3.37
